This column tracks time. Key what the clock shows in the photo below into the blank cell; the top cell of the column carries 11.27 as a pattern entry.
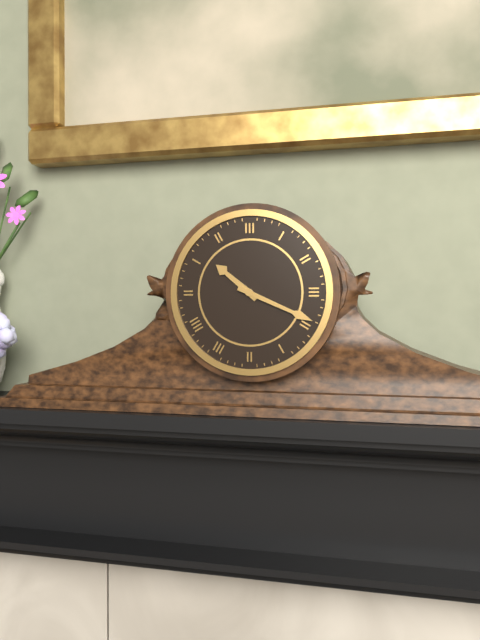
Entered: 10.19
